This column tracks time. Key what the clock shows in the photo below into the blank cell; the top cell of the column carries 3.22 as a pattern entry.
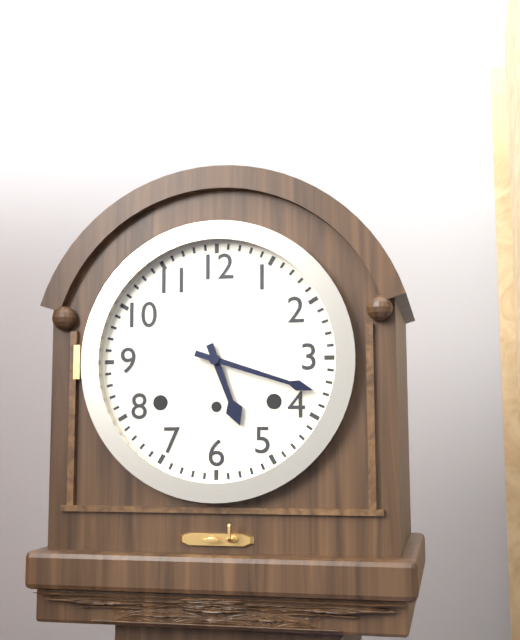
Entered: 5.18
